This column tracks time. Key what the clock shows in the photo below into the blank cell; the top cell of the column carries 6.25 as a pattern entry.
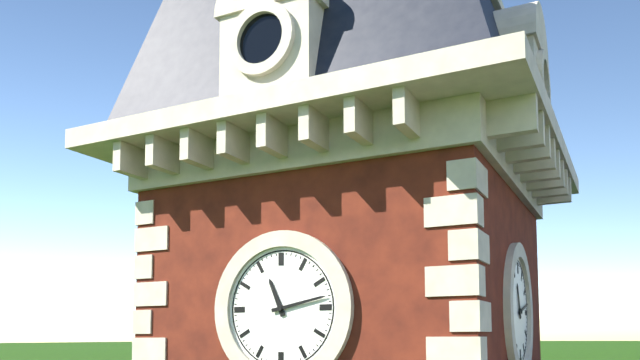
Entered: 11.13
